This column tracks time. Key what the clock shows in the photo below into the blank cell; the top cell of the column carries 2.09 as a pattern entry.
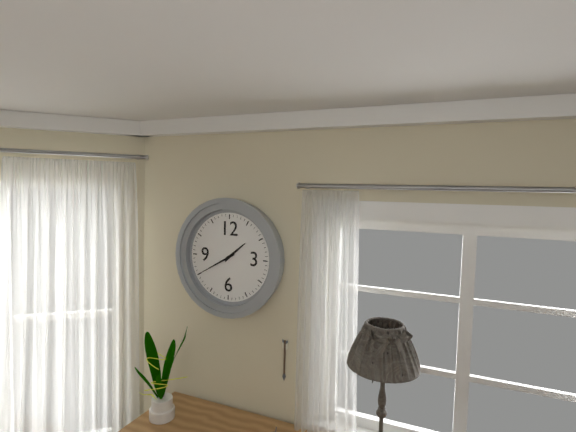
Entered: 1.40
